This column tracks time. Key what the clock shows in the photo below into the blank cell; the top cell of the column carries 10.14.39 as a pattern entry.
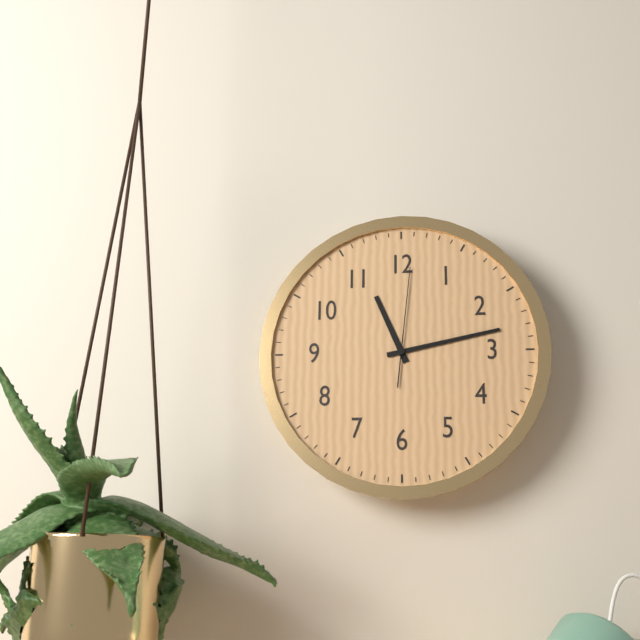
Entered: 11.13.01
